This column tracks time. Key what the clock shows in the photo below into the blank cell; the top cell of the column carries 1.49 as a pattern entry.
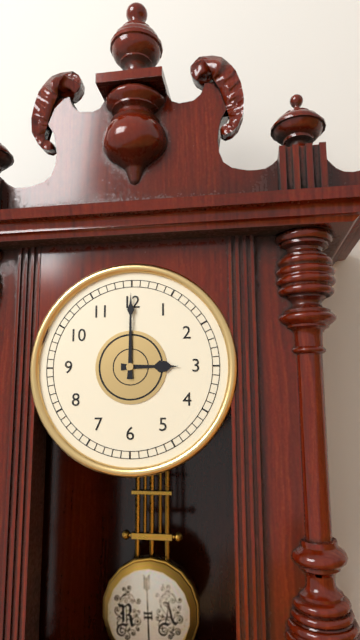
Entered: 3.00
